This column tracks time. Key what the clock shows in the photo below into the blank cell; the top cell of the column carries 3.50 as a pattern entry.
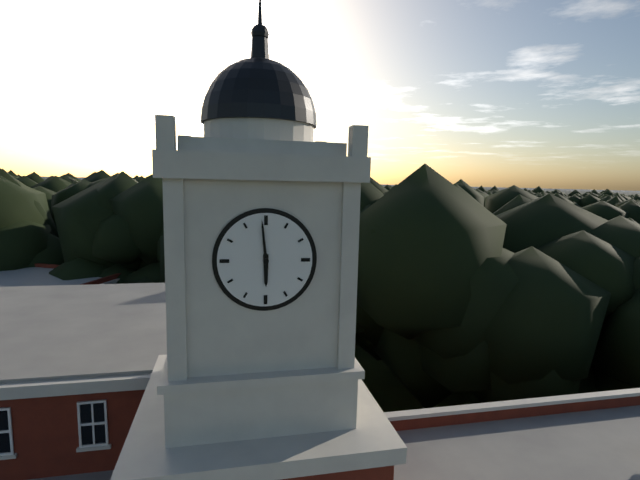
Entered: 5.59
